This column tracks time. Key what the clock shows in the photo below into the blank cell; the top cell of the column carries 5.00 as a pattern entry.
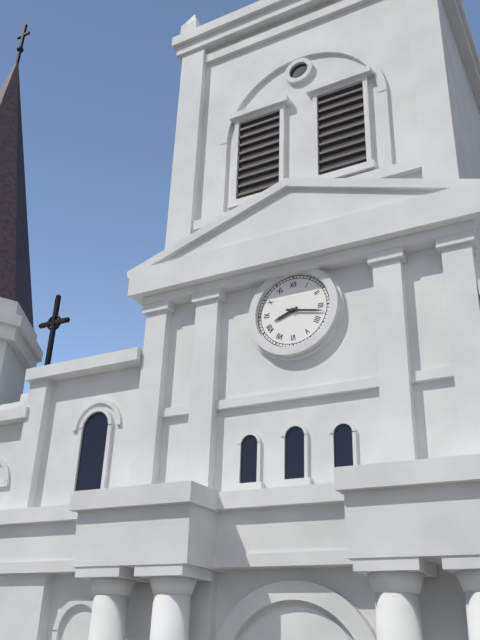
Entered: 8.17
